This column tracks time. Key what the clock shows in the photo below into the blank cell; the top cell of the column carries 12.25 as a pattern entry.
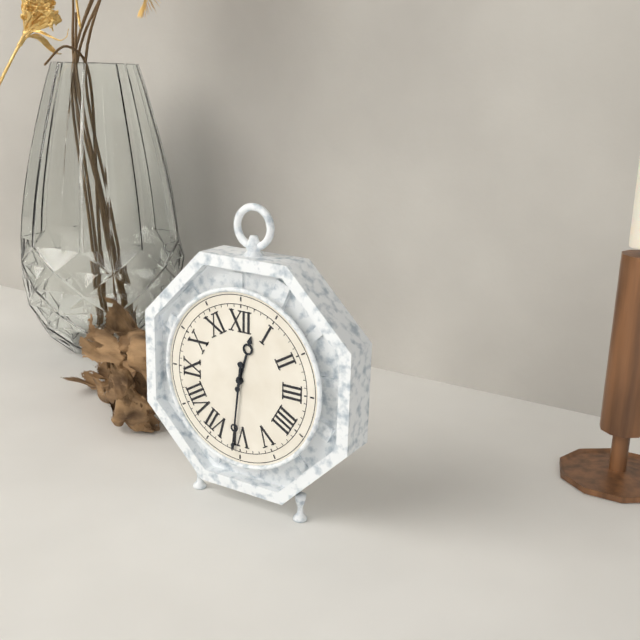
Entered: 12.31
